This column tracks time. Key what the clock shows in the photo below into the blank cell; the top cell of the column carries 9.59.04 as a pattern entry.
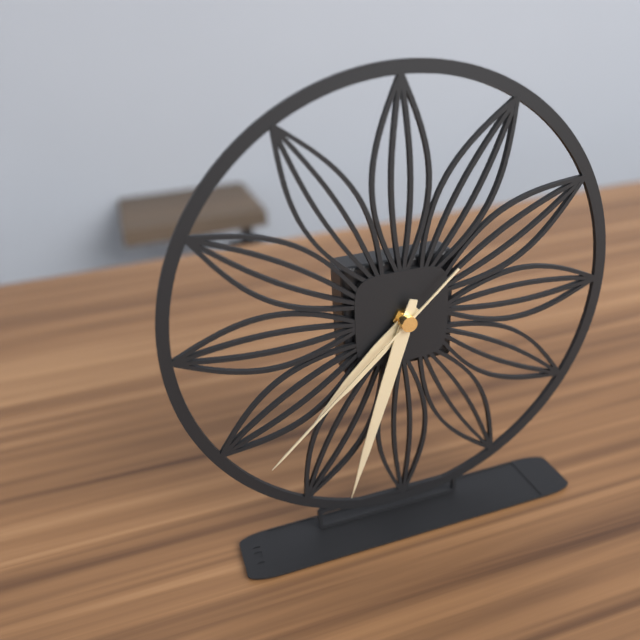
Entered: 7.33.38
